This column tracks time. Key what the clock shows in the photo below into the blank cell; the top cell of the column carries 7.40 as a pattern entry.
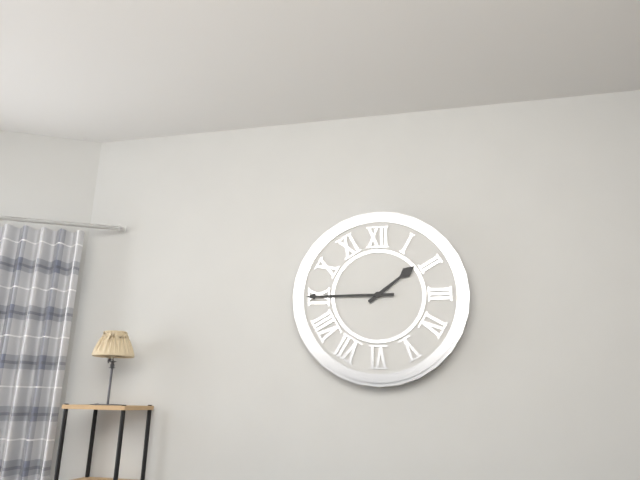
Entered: 1.45
